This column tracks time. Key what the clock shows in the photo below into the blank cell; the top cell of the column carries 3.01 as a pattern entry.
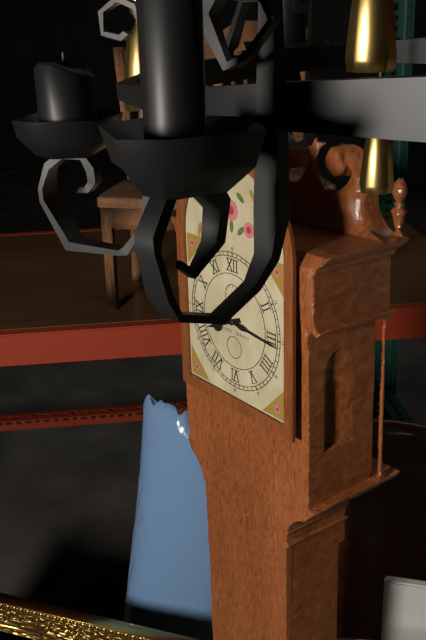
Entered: 8.16
